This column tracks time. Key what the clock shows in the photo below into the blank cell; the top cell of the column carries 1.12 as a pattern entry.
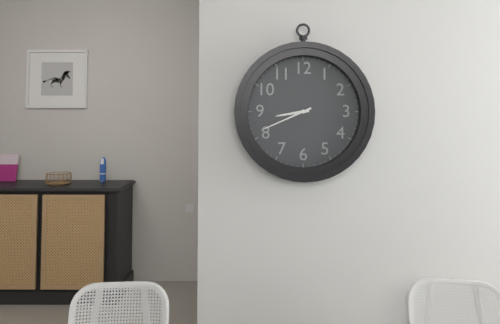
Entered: 8.41
